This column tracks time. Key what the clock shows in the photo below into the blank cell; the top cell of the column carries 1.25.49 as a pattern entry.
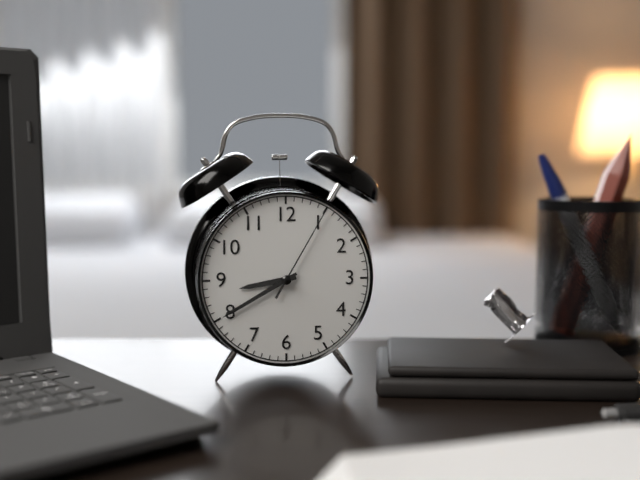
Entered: 8.40.05
